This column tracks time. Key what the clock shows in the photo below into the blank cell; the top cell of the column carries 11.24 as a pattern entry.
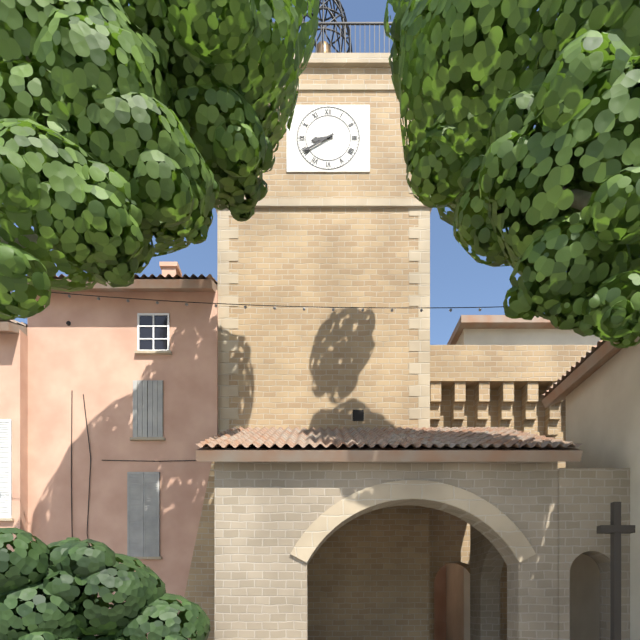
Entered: 8.40
